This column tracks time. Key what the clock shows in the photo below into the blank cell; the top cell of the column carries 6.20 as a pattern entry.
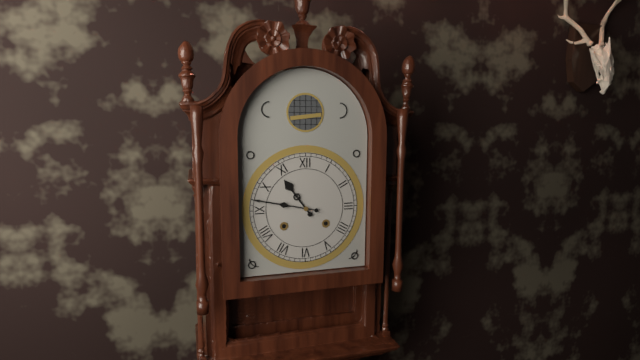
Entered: 10.47
